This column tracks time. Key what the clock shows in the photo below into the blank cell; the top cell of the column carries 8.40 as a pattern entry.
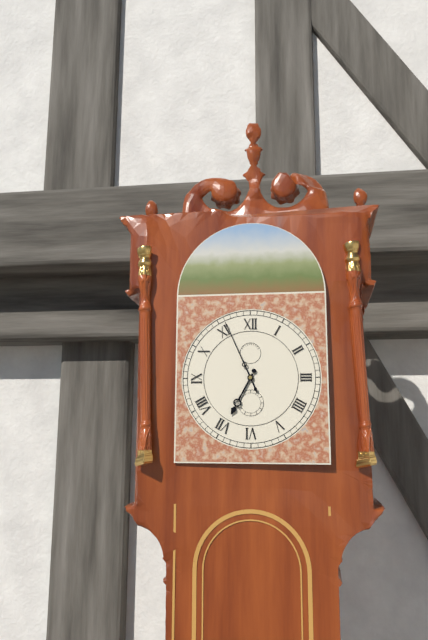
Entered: 6.56
